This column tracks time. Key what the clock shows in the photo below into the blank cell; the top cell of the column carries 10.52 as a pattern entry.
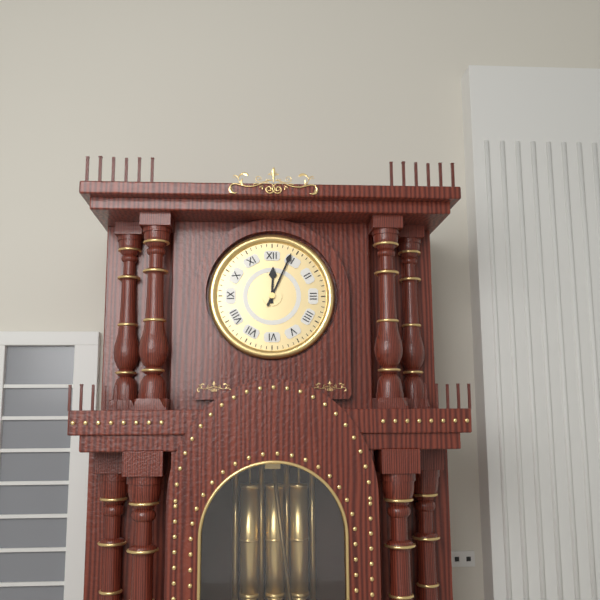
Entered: 12.04
